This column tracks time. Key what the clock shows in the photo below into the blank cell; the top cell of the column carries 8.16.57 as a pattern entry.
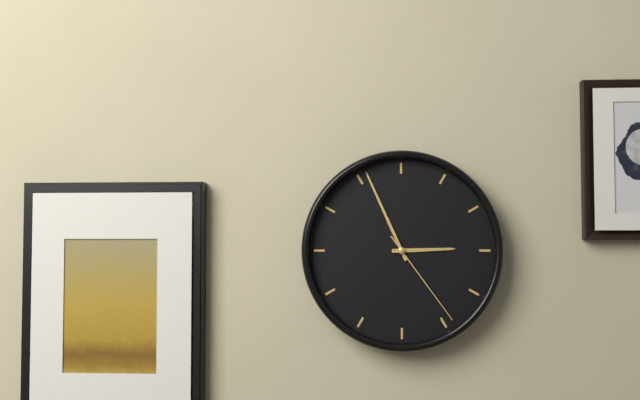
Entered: 2.56.24
